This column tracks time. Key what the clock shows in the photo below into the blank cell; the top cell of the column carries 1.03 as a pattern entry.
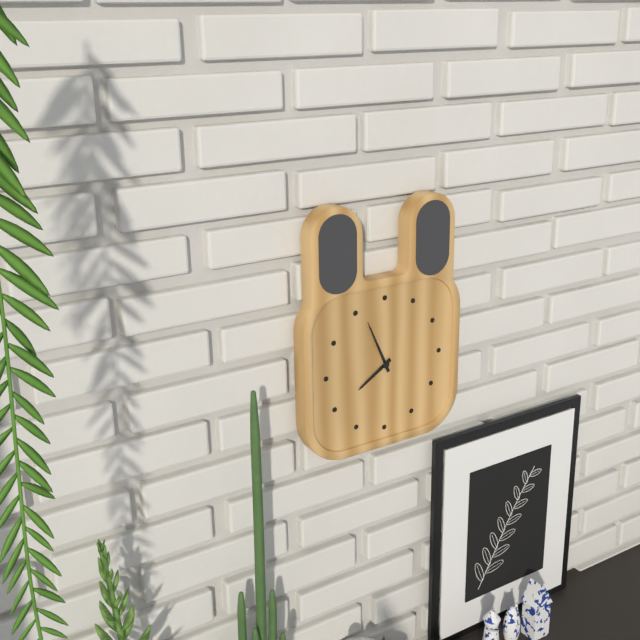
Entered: 7.56
